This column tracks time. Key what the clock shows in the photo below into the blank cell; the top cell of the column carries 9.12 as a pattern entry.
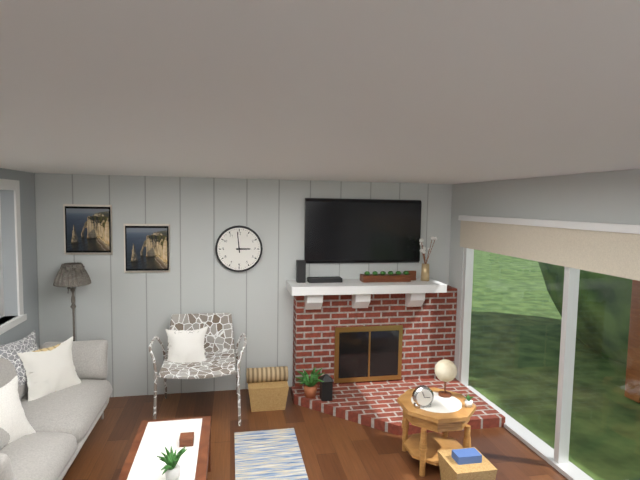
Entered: 2.59
